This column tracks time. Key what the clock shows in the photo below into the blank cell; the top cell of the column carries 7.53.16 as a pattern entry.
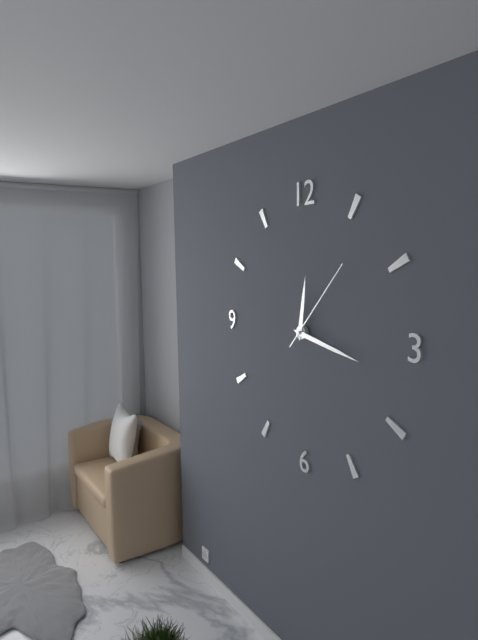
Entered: 12.17.07
